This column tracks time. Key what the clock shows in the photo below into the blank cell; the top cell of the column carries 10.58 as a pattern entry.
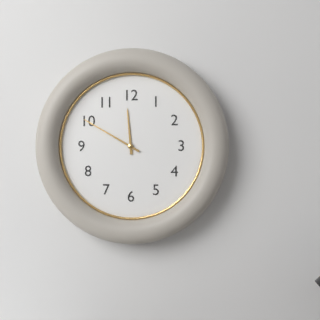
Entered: 11.50
